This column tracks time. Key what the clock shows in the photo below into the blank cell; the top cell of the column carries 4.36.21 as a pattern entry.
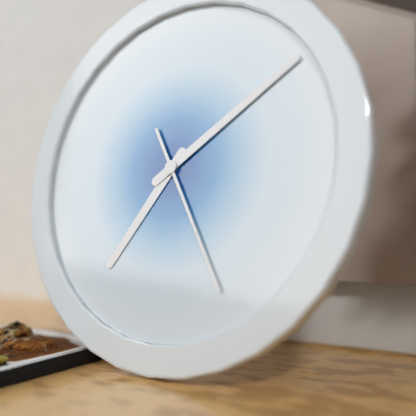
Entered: 7.09.25
